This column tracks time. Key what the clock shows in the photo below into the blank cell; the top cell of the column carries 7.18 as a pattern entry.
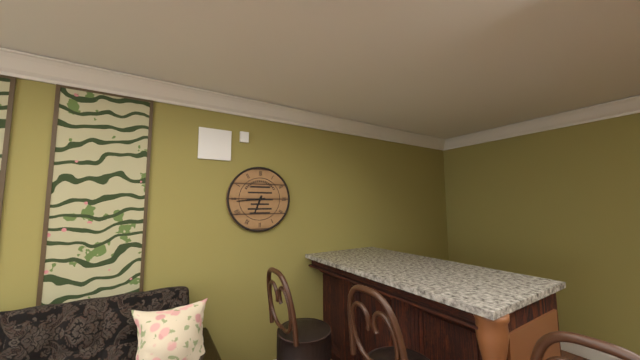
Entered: 6.44
